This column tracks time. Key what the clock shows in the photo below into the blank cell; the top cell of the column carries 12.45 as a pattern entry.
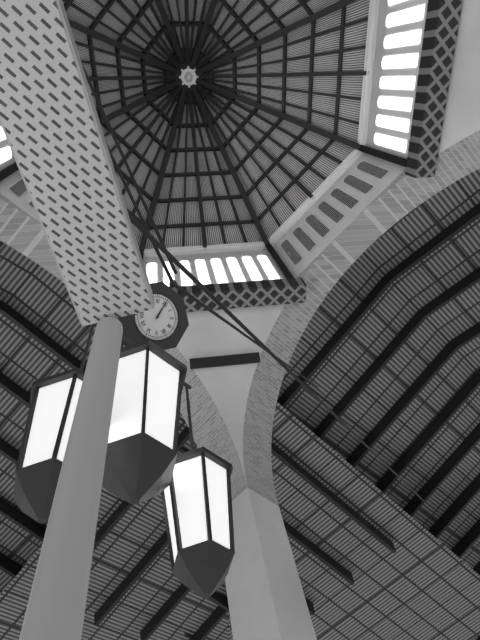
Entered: 12.00
